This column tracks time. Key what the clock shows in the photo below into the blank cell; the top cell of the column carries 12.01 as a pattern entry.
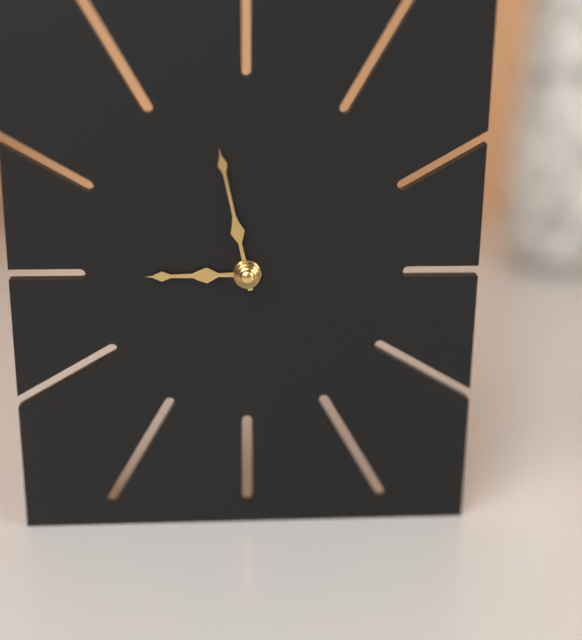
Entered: 8.58
